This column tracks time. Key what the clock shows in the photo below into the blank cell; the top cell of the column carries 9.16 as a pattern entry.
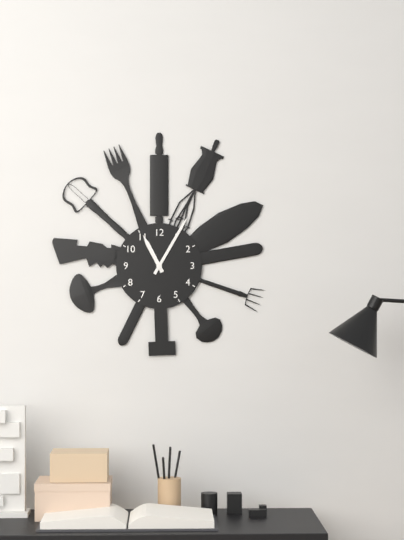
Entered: 11.05
